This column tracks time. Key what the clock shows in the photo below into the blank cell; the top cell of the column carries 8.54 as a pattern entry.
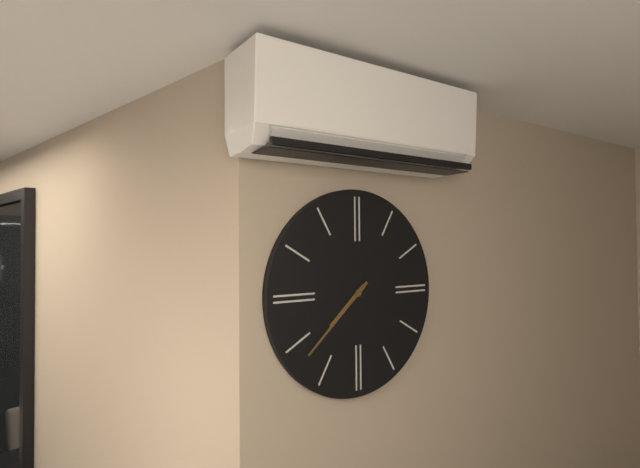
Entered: 7.38
